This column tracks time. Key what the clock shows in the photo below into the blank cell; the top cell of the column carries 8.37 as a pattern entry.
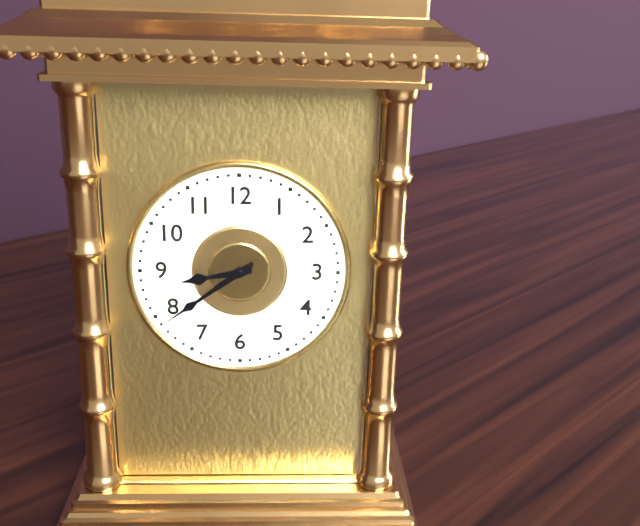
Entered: 8.39
